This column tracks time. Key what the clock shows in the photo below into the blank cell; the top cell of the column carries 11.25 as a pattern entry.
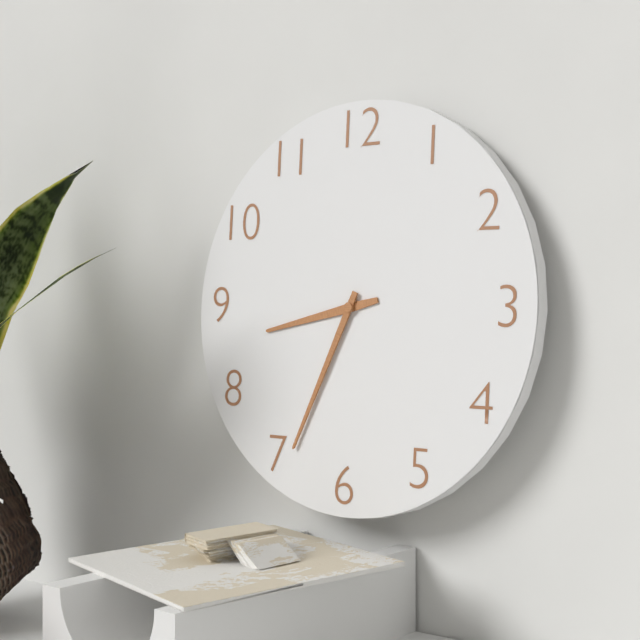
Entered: 8.34
